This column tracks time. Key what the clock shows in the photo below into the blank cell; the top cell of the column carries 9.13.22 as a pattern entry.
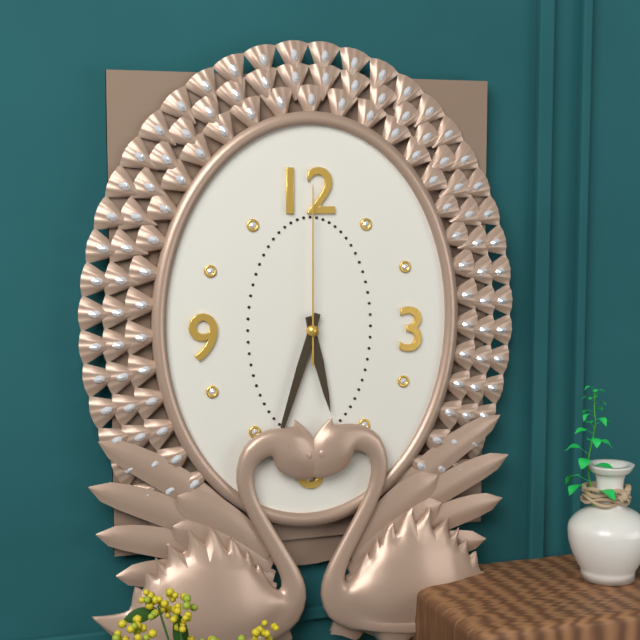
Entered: 5.33.00
